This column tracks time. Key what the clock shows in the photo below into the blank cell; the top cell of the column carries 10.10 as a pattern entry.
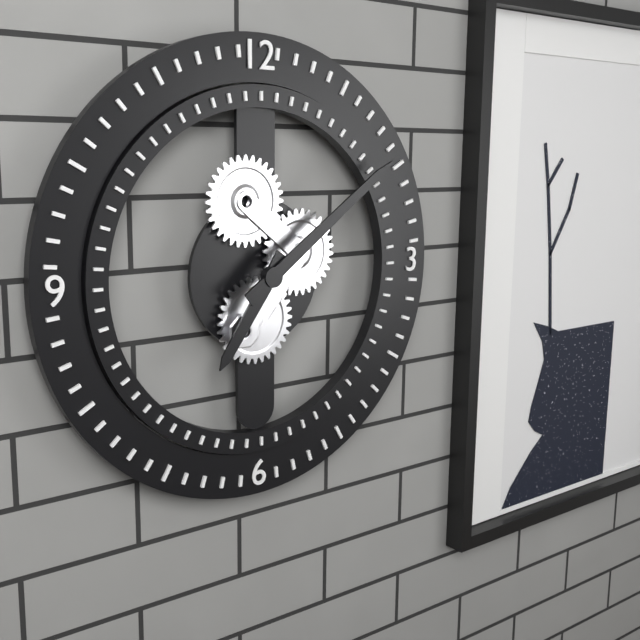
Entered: 7.09
